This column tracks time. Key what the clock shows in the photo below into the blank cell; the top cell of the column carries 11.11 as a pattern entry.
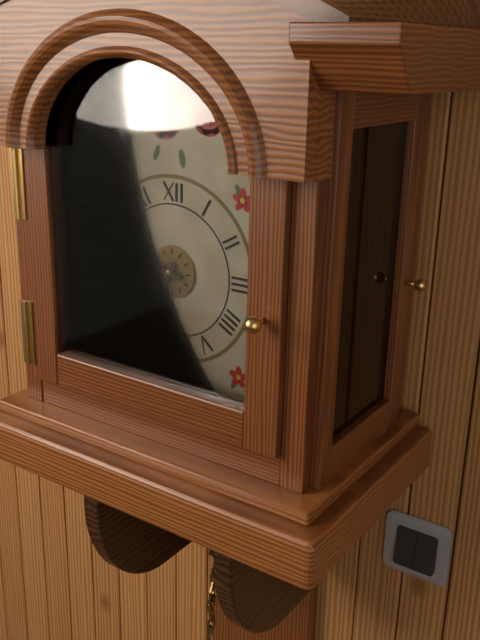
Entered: 6.48
